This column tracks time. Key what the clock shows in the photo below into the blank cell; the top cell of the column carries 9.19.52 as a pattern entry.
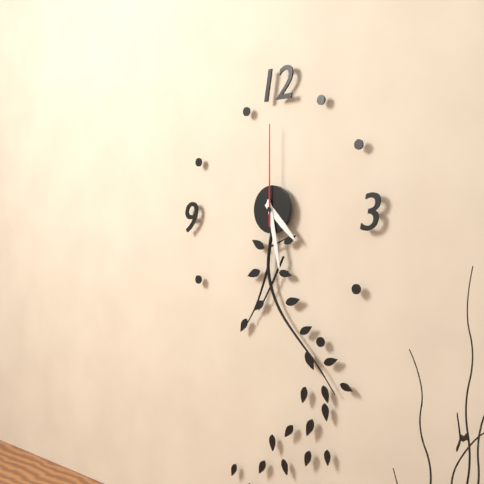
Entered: 4.28.00
